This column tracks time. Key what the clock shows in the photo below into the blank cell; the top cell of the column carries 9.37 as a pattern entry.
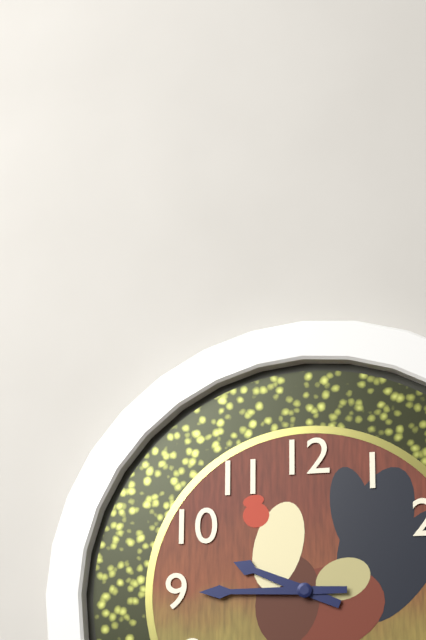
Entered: 9.45
